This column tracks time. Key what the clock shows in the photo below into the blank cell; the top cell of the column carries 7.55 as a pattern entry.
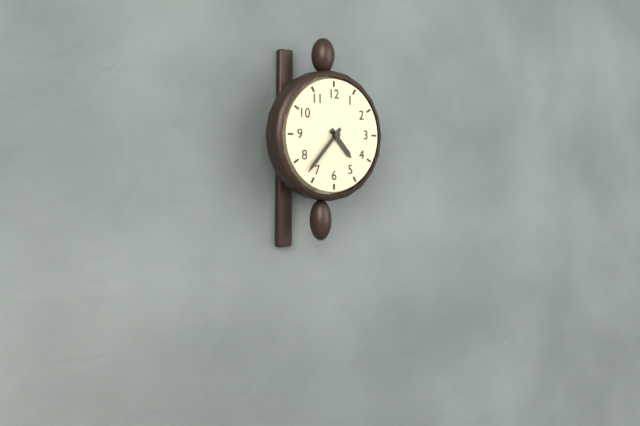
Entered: 4.37
